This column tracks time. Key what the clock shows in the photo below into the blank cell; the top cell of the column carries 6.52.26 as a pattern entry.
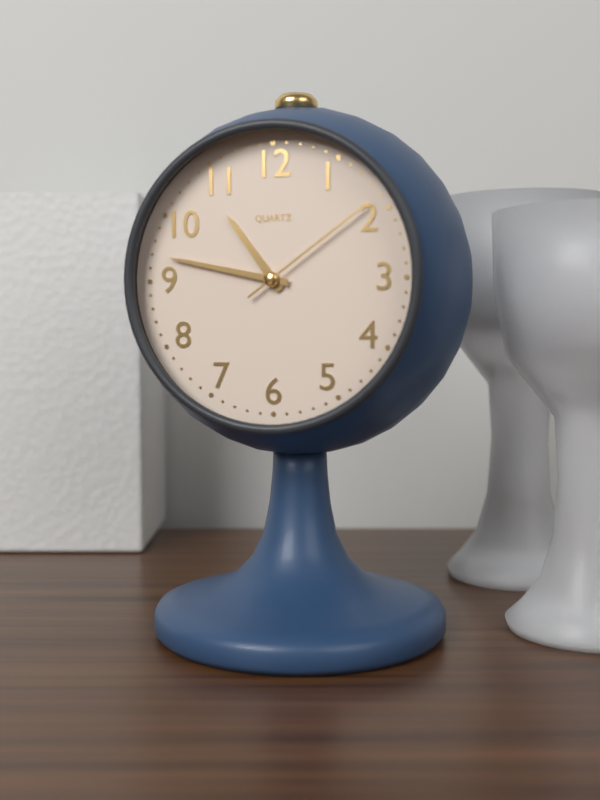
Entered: 10.47.09
